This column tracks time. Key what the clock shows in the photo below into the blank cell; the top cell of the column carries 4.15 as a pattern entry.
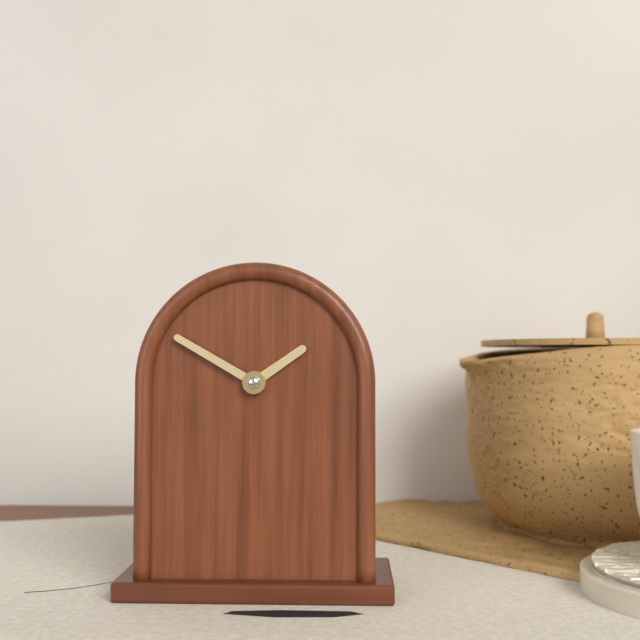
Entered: 1.50
